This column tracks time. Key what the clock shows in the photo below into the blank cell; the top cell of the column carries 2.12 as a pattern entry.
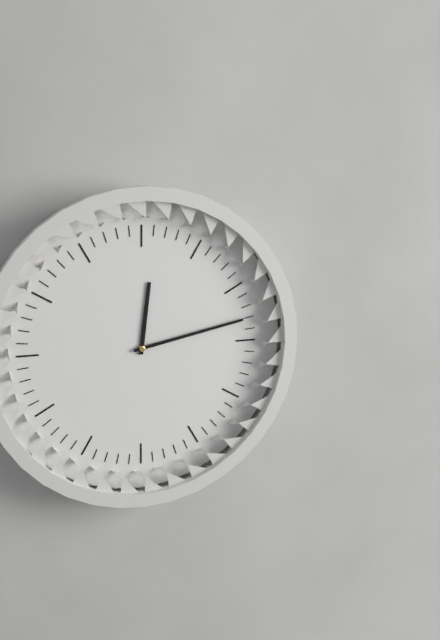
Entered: 12.13
